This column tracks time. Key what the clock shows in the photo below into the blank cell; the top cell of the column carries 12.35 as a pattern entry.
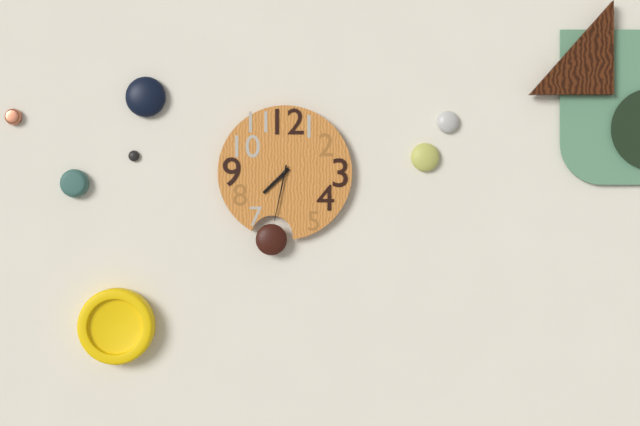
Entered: 7.32
